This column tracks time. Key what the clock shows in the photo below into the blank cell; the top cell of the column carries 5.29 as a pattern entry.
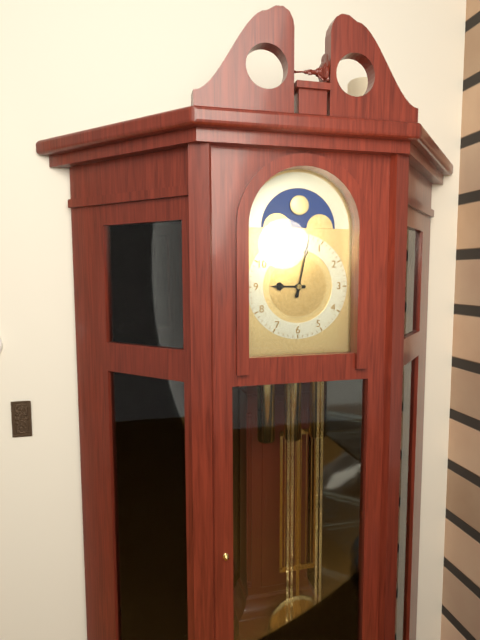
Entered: 9.02
